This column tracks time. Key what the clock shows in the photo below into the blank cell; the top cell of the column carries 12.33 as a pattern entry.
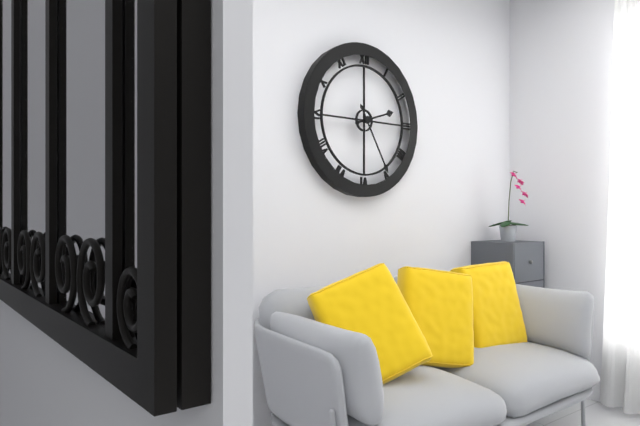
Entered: 2.25
